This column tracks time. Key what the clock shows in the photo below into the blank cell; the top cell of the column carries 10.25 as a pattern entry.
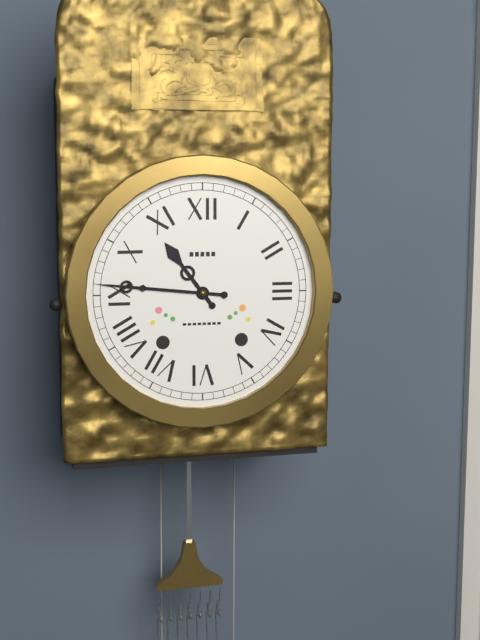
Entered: 10.46
